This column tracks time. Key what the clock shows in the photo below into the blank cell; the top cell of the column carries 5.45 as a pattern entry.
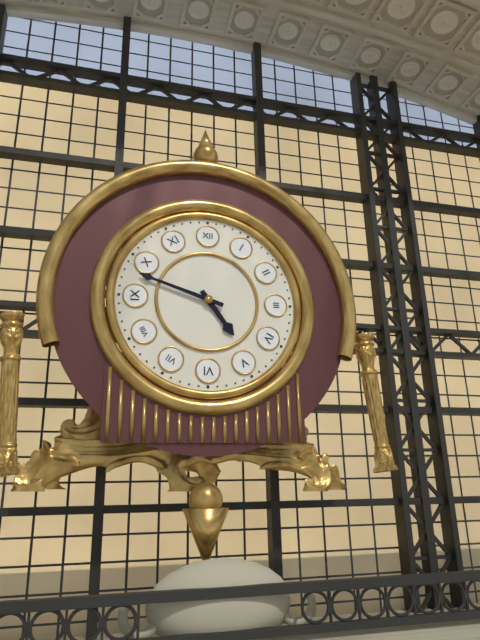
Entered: 4.48
